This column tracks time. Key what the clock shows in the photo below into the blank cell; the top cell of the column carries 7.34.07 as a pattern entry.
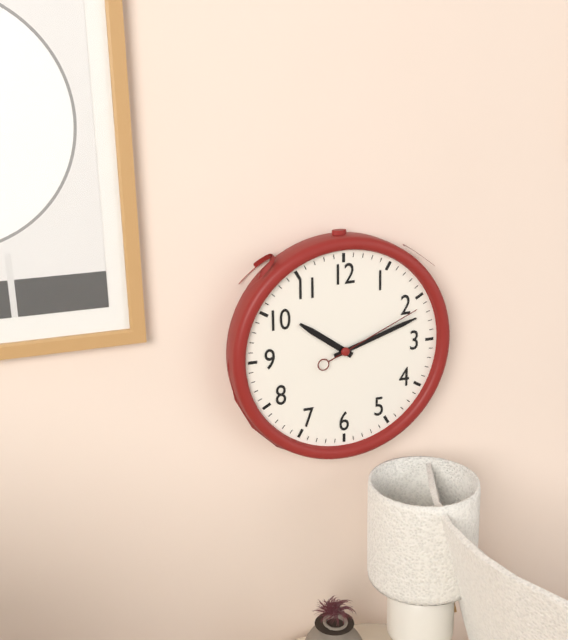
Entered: 10.12.11
